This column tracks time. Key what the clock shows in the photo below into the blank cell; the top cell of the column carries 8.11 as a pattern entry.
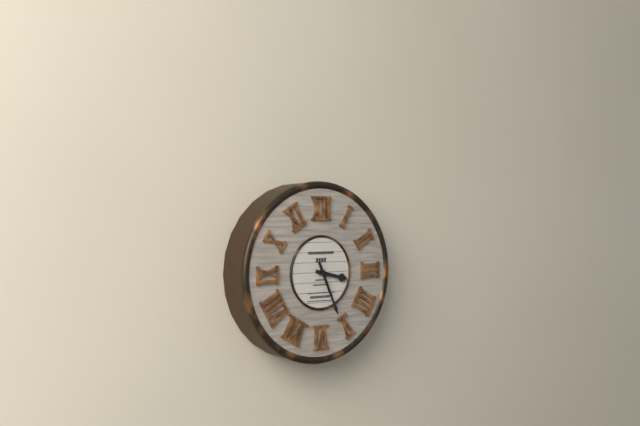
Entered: 3.26
